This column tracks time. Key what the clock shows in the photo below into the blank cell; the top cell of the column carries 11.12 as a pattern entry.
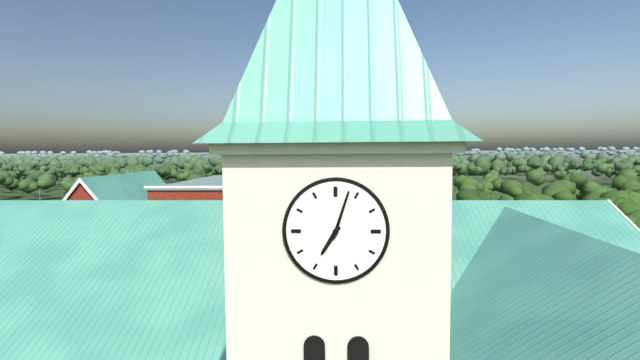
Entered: 7.03
